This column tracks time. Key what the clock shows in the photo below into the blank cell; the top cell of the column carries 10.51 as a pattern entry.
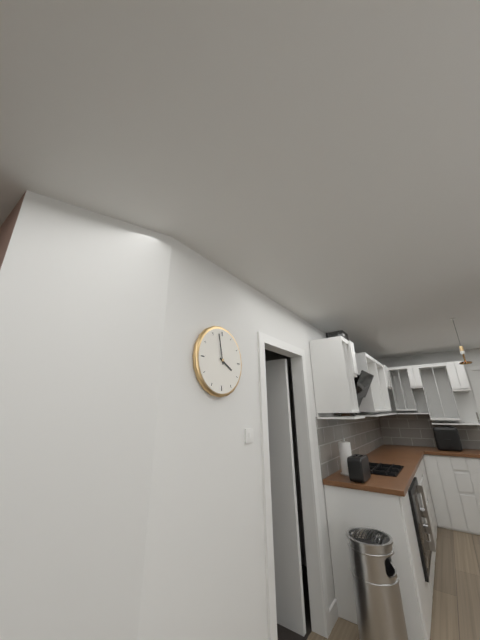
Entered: 3.58
